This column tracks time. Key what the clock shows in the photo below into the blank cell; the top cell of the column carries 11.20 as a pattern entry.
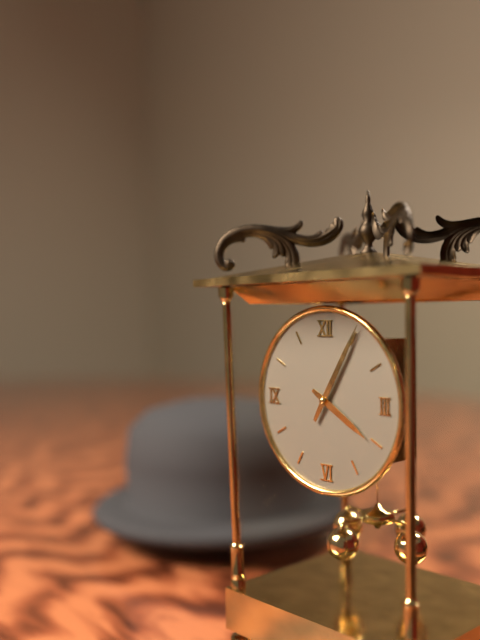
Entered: 4.05
